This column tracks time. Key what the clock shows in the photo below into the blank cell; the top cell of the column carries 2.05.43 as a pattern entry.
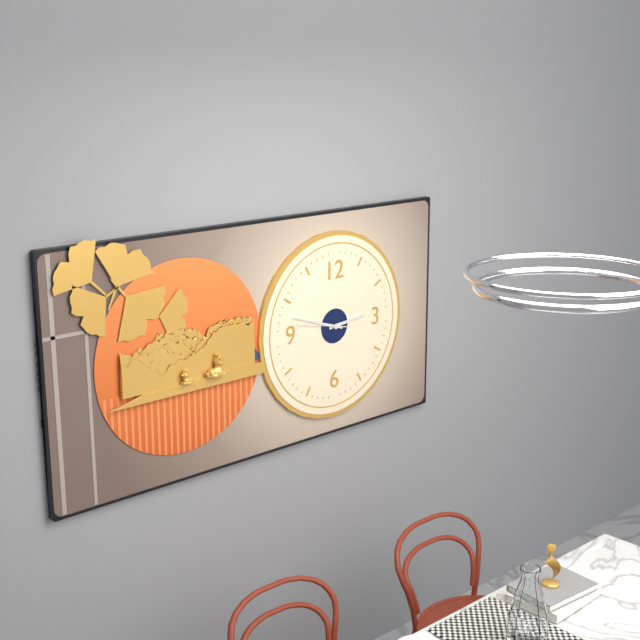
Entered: 2.48.47
